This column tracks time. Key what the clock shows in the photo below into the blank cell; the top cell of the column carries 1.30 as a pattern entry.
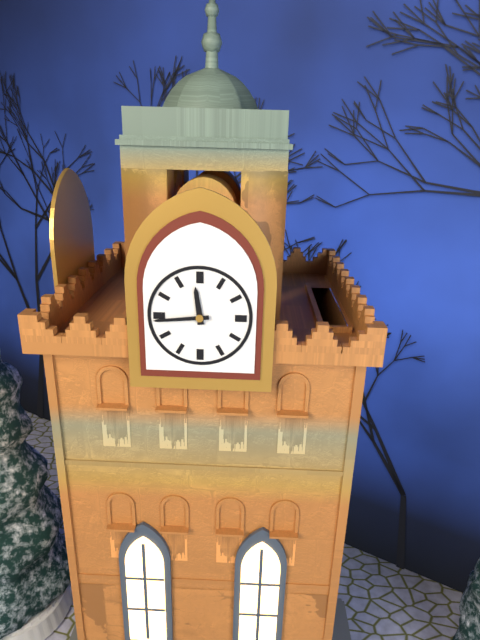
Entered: 11.44
